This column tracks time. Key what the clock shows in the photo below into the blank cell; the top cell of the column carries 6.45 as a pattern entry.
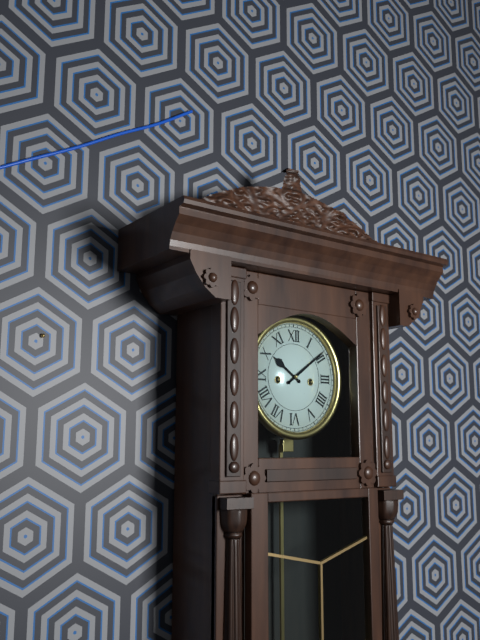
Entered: 10.09
